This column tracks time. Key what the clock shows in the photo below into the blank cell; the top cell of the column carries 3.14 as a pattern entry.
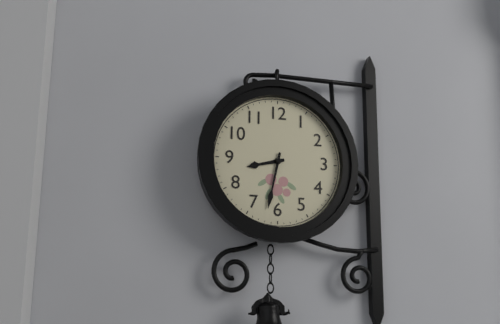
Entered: 8.32
